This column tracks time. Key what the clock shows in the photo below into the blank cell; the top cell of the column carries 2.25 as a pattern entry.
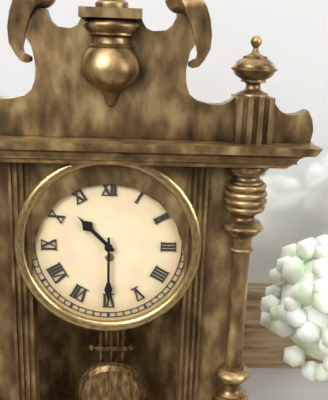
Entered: 10.30
